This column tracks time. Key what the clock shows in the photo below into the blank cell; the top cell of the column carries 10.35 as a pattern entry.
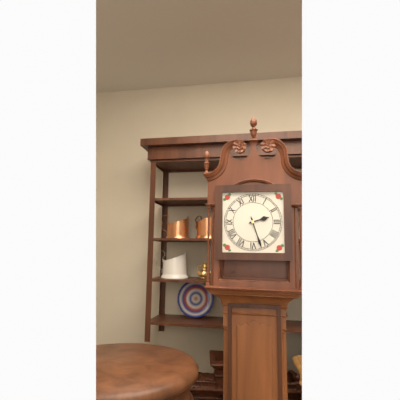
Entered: 2.27
